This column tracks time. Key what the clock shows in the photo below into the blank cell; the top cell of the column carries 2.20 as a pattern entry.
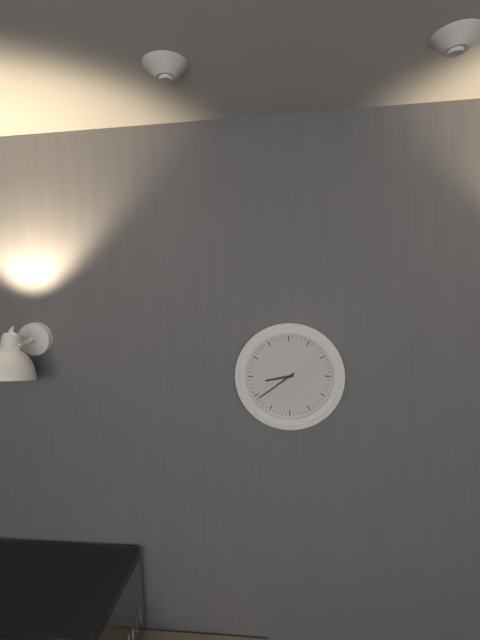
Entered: 8.39
